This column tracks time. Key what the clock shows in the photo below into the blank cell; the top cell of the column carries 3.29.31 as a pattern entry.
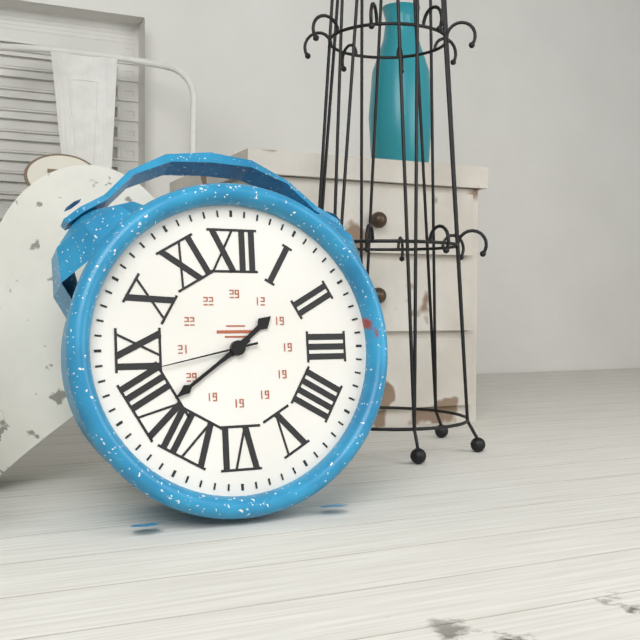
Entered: 1.39.43
